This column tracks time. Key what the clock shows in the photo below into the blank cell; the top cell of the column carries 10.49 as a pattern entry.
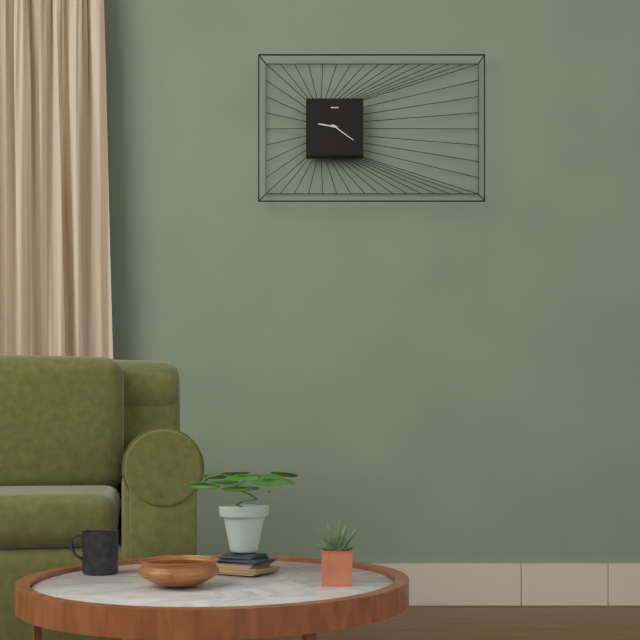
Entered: 9.21
